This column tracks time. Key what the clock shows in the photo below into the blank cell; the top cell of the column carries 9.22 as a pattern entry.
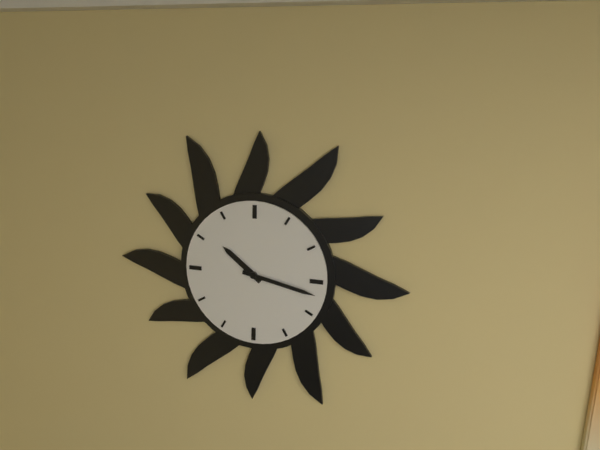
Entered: 10.17
